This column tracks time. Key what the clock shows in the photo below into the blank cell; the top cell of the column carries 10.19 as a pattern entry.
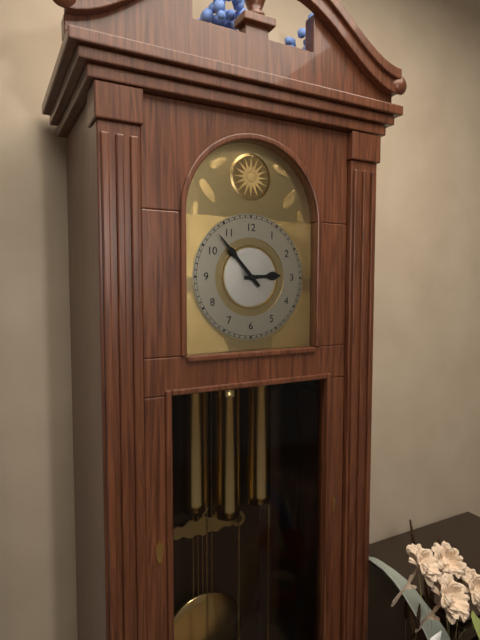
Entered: 2.53
